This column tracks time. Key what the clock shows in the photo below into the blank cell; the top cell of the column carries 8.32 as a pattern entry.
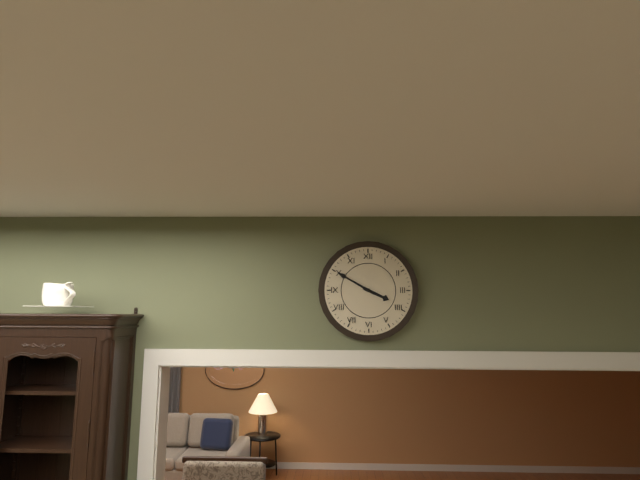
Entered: 3.50
